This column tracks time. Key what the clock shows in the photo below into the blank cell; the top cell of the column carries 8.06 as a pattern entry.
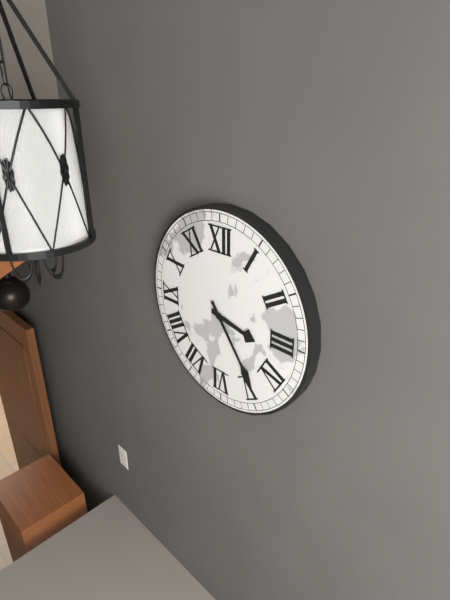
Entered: 3.24
